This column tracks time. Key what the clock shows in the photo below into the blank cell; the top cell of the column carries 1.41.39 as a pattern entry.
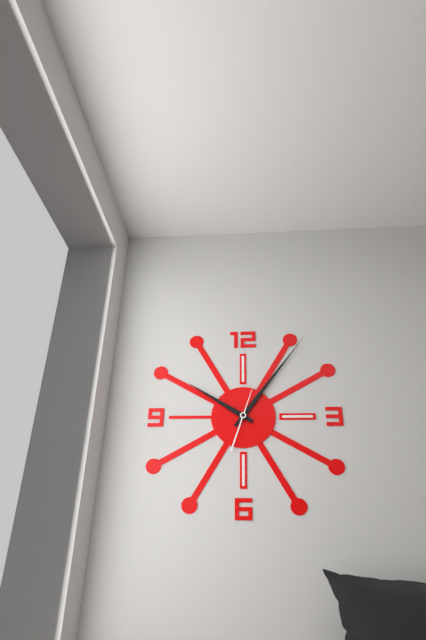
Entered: 10.06.03
